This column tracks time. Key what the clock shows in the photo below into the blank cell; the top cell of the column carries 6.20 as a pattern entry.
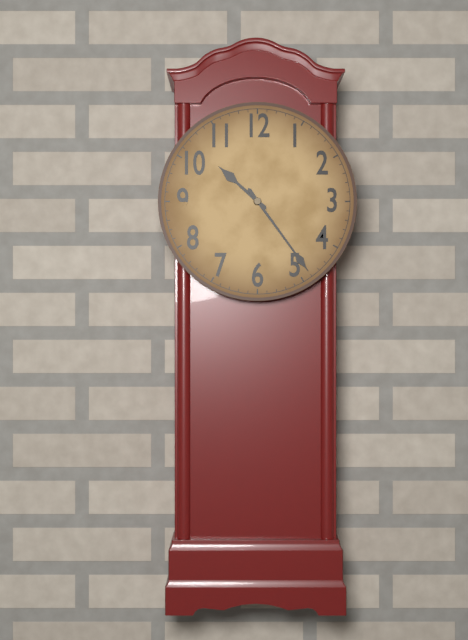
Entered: 10.24
